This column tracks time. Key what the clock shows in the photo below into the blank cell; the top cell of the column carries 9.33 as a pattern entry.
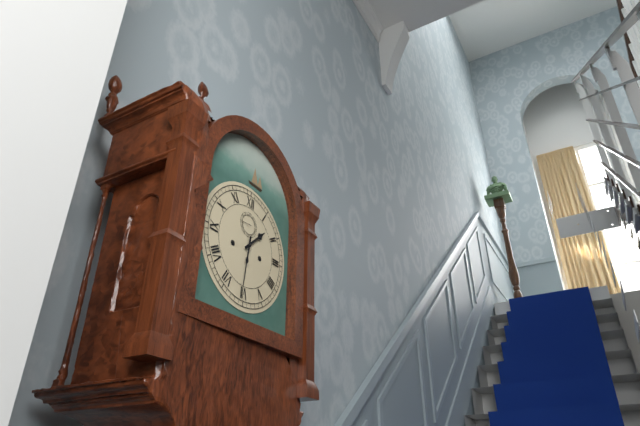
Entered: 1.31
